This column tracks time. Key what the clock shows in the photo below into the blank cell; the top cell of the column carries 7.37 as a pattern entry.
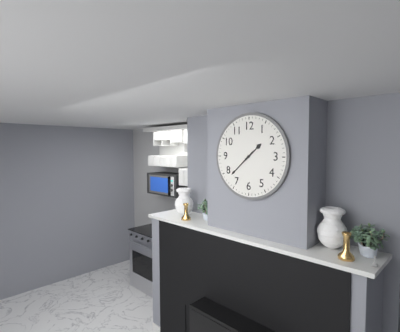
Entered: 1.38
